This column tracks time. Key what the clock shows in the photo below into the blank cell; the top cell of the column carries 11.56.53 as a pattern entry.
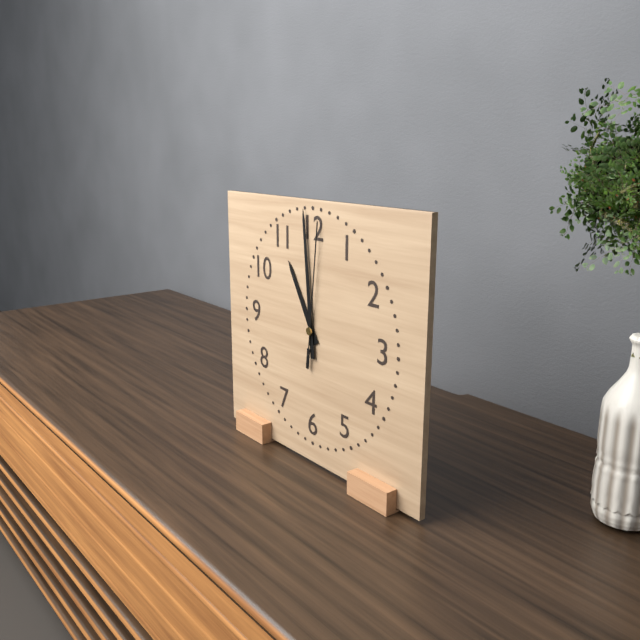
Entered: 10.59.01
